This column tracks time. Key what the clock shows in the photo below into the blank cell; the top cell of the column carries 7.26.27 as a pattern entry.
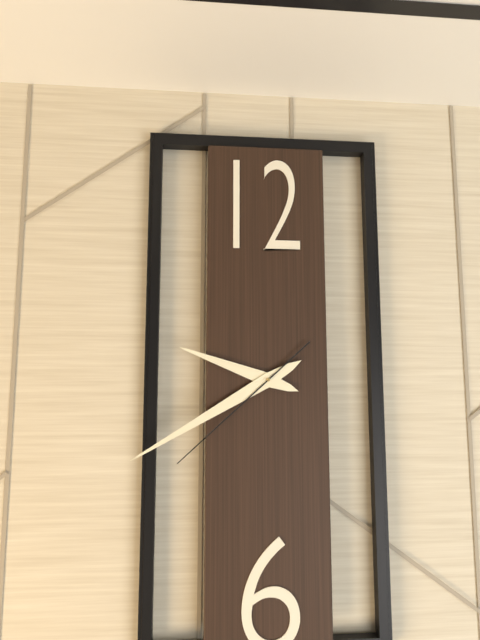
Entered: 9.40.38
